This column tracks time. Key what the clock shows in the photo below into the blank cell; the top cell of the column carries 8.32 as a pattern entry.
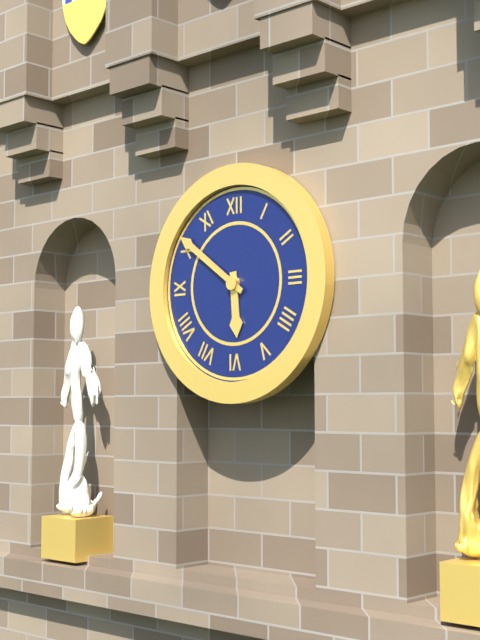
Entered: 5.51
